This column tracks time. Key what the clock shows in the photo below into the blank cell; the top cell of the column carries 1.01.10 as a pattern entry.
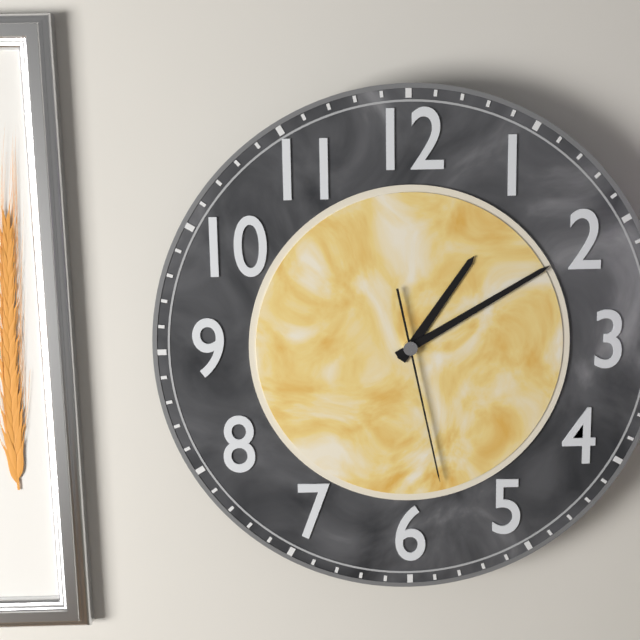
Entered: 1.10.28
